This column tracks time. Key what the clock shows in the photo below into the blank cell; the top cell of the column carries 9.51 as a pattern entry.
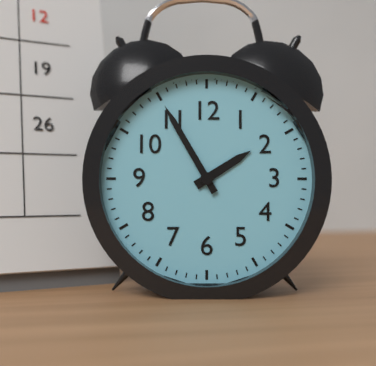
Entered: 1.55
